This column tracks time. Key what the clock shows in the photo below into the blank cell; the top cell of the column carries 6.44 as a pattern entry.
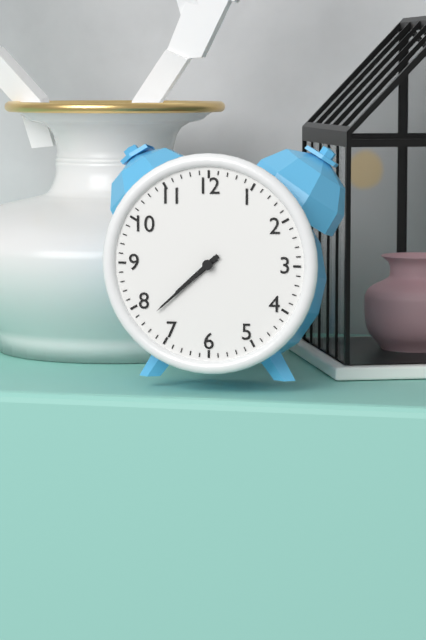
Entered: 7.38
